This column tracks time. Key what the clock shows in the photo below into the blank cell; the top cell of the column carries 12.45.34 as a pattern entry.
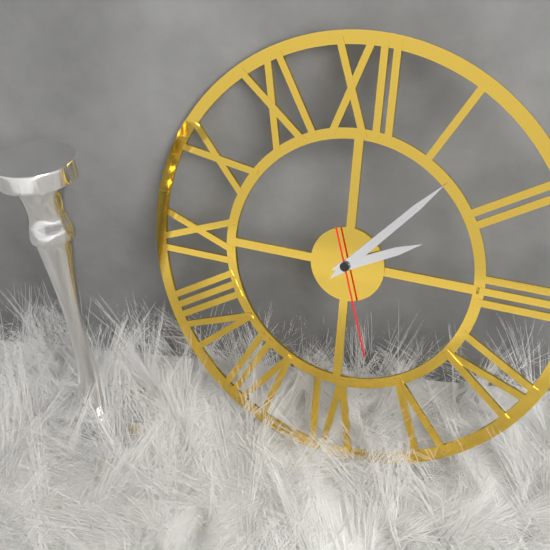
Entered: 2.07.27
